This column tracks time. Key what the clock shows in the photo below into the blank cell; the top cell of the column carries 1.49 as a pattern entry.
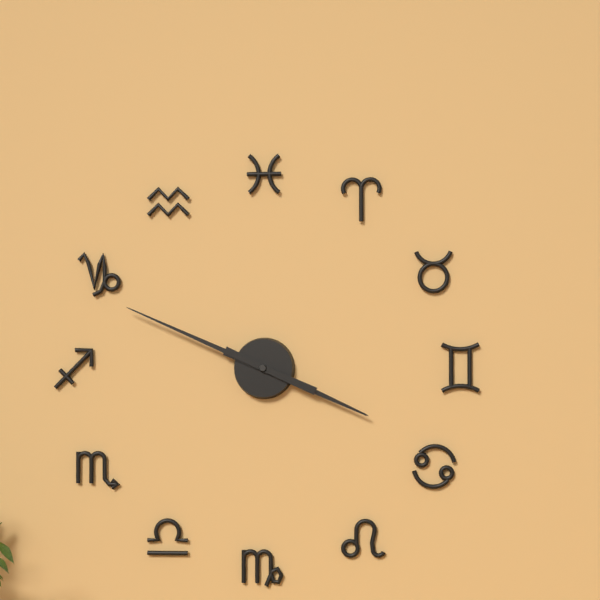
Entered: 3.49
